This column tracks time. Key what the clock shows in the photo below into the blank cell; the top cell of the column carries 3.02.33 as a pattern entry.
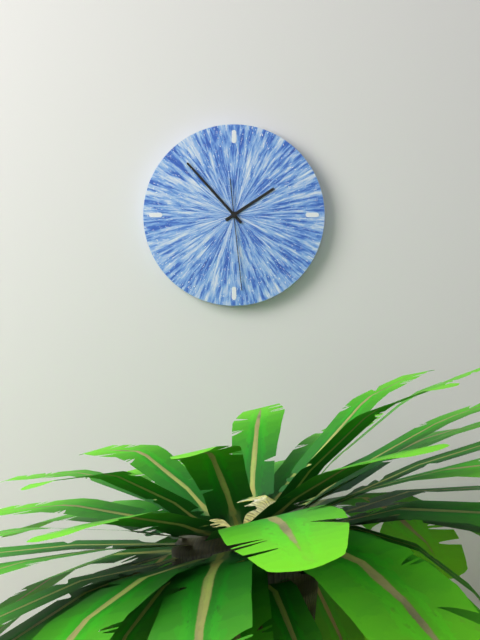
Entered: 1.53.29
